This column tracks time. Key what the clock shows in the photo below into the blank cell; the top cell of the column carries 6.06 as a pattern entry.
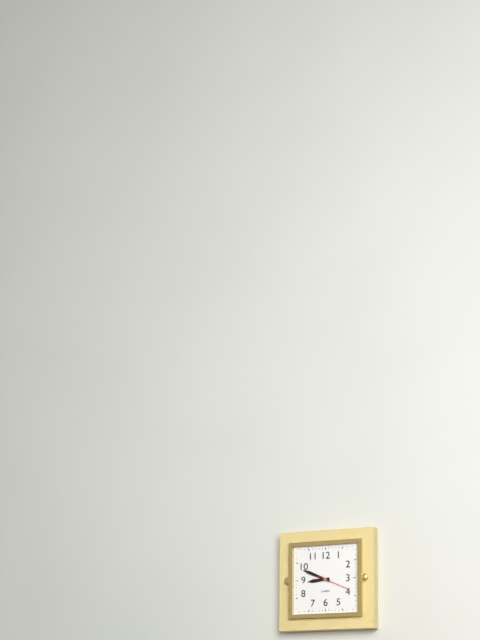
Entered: 8.49
